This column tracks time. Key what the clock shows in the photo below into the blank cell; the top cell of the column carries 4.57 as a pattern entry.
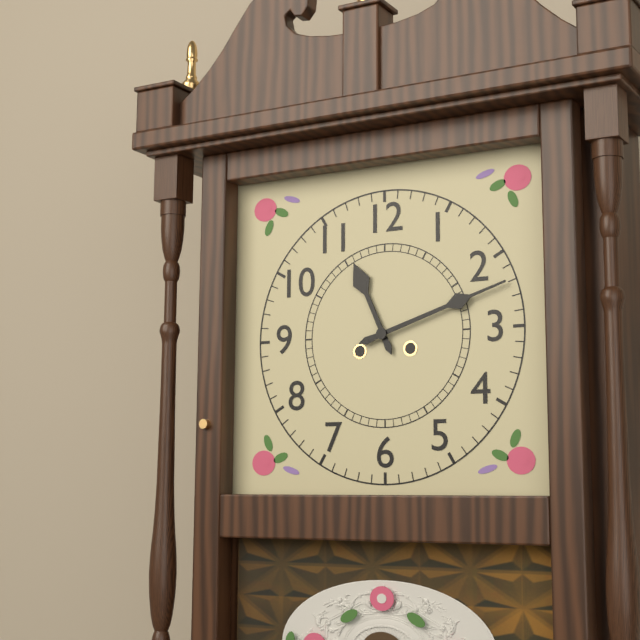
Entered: 11.12
